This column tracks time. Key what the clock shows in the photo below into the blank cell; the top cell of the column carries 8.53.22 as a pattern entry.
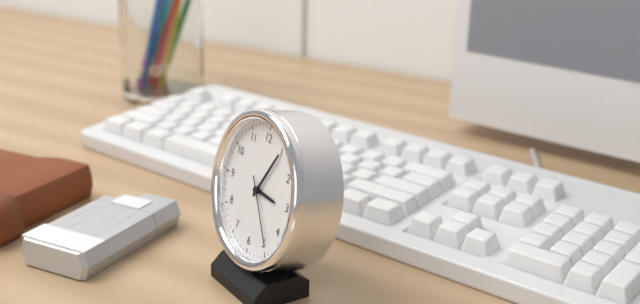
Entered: 3.05.24
